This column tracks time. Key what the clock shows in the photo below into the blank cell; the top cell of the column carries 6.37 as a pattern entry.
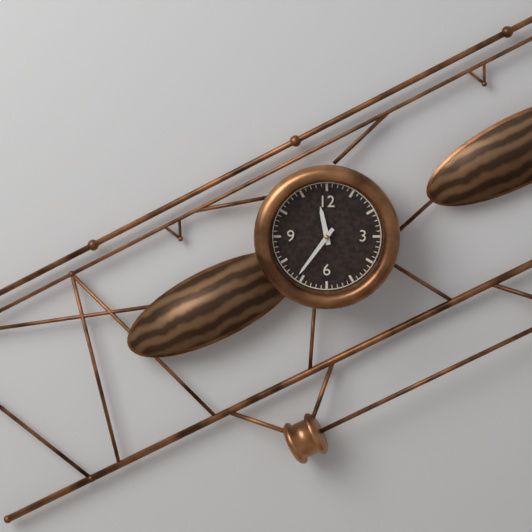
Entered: 11.36
